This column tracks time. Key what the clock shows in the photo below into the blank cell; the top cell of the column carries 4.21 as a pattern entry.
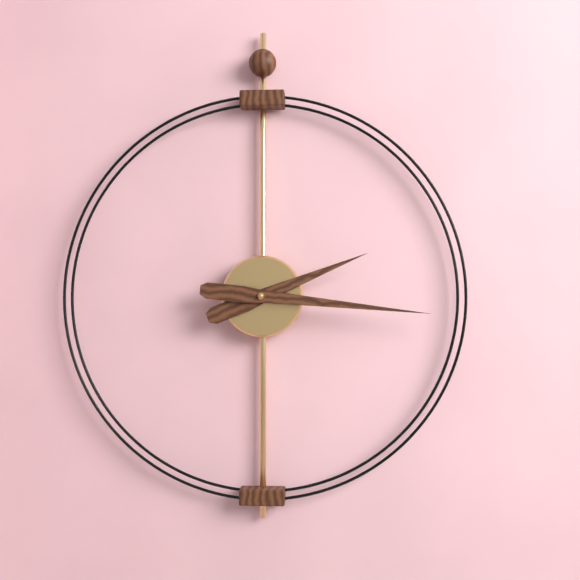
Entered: 2.16
